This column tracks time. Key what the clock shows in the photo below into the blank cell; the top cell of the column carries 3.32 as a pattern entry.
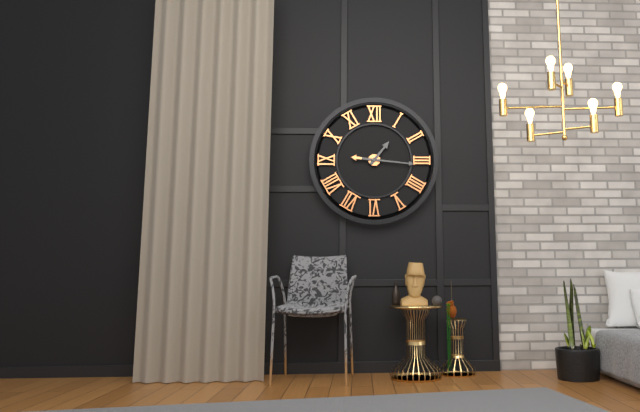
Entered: 1.16
